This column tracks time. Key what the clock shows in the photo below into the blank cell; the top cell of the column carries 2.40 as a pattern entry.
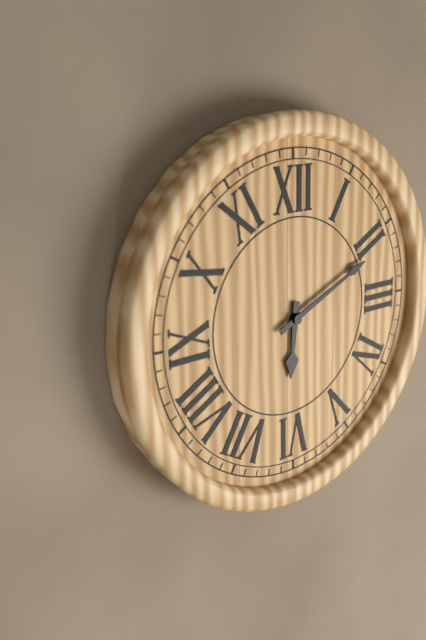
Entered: 6.11
